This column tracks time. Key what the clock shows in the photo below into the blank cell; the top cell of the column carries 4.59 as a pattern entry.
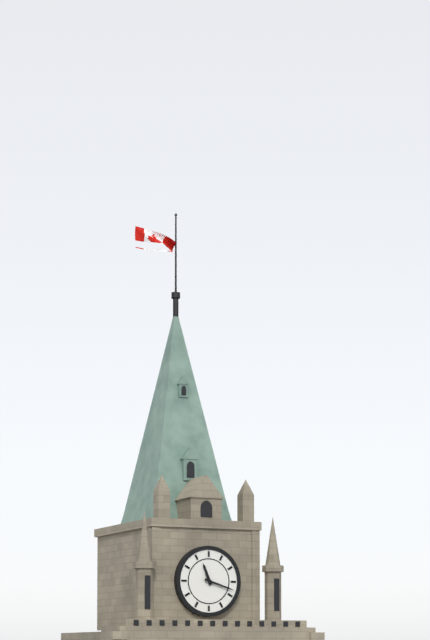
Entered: 11.18
